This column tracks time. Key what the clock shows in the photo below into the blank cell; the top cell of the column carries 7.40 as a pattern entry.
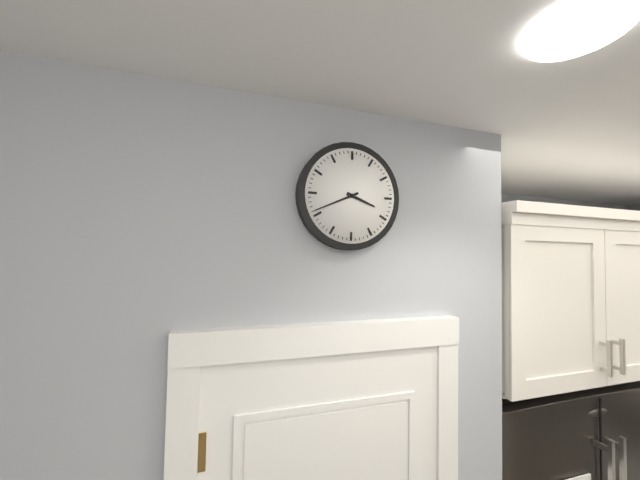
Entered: 3.41
